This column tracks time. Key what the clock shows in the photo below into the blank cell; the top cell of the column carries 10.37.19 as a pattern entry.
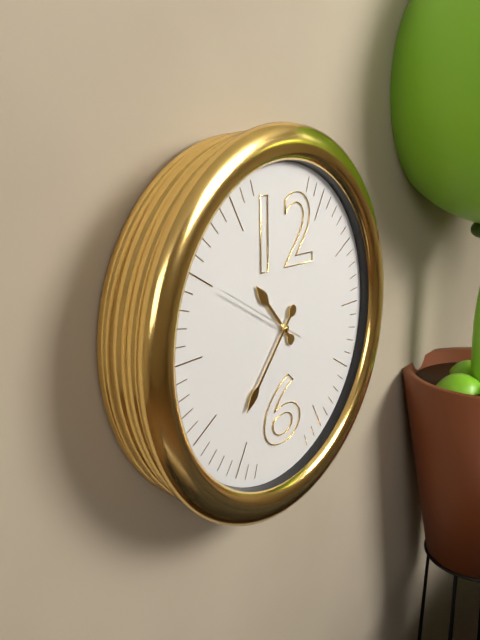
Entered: 10.37.50
